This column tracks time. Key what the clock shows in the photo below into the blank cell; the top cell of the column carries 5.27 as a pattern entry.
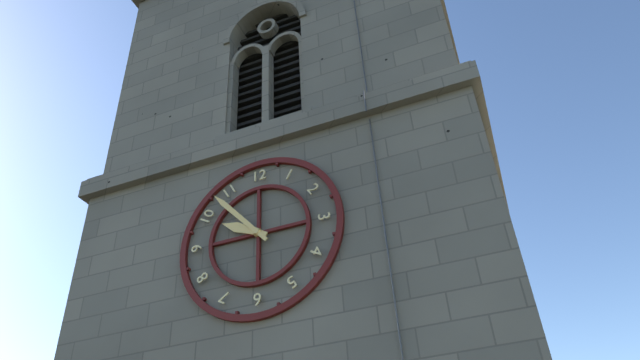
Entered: 9.53
